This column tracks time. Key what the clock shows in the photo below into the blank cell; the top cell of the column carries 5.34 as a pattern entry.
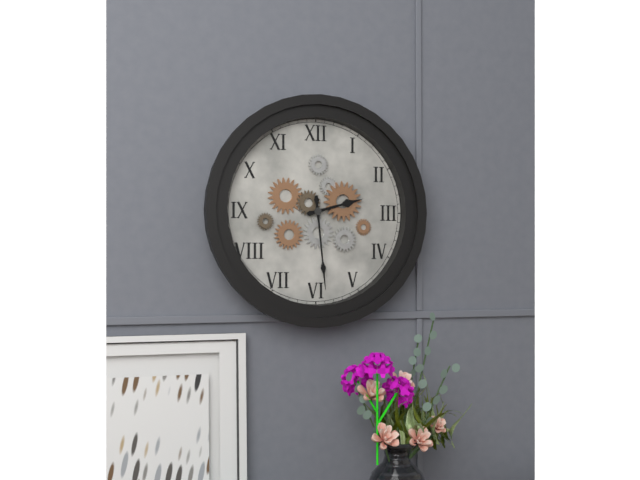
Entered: 2.29
